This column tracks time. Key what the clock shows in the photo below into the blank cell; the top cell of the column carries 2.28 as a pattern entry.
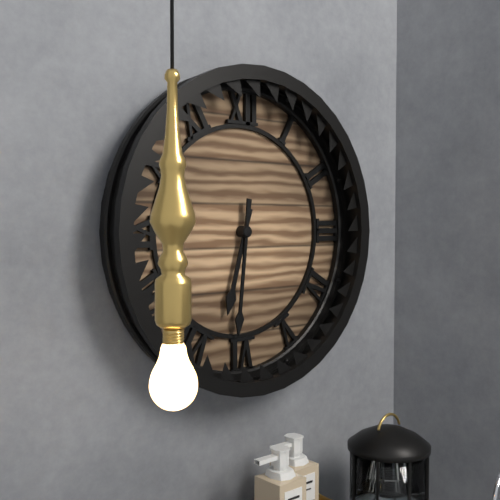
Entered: 6.31
